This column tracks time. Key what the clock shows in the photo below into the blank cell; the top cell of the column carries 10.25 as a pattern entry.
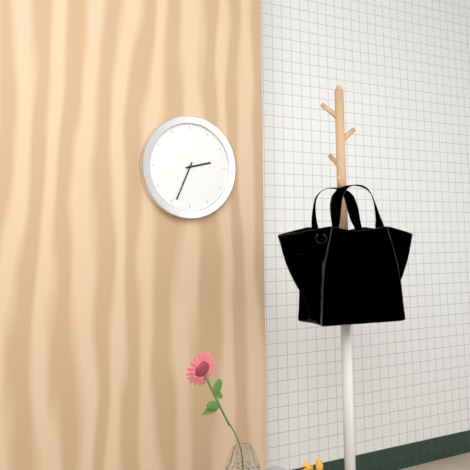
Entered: 2.34
